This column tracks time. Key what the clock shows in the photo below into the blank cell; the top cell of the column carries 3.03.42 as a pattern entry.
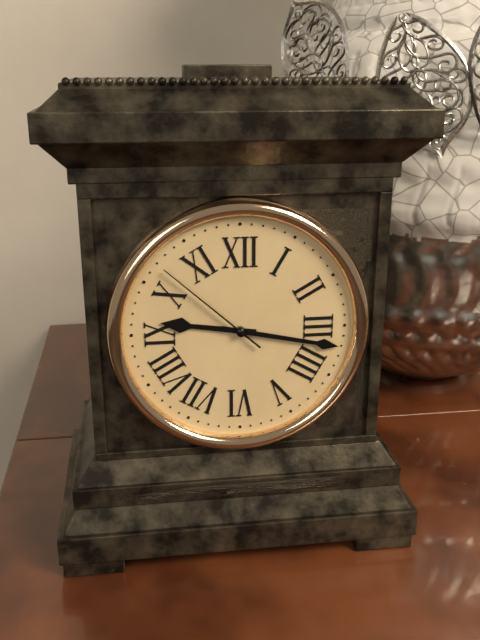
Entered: 9.17.52
